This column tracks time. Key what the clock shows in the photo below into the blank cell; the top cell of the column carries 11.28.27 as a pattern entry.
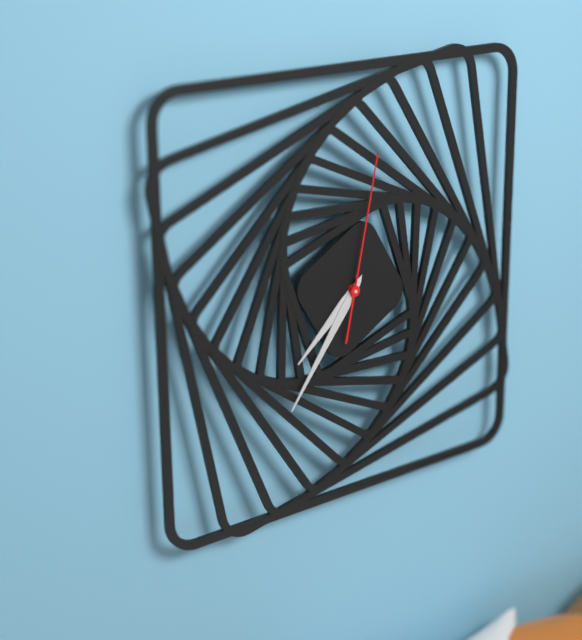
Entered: 7.36.02
